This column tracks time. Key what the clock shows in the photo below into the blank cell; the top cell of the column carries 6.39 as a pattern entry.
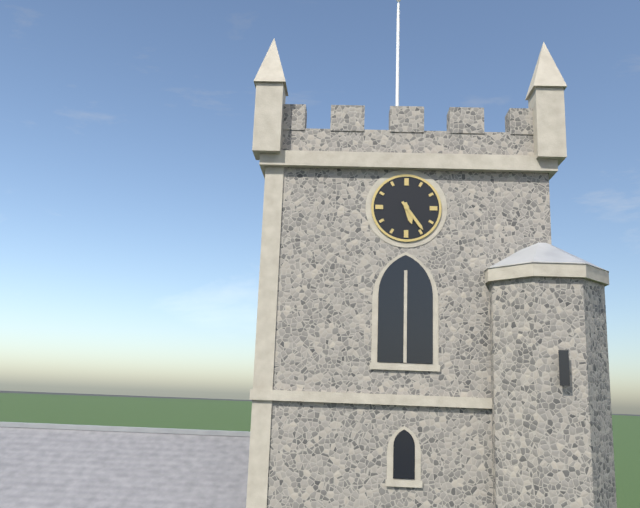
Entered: 5.24
